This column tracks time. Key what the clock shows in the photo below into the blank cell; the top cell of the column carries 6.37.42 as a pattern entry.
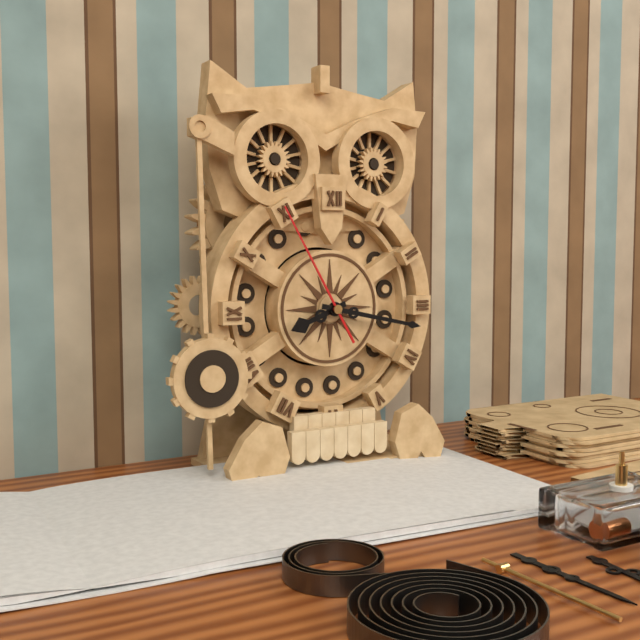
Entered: 8.17.55
